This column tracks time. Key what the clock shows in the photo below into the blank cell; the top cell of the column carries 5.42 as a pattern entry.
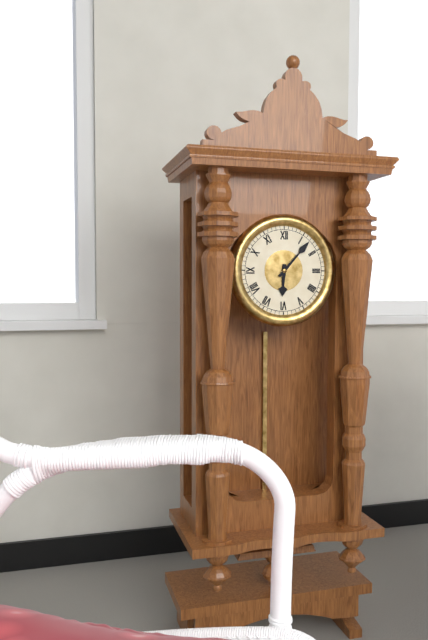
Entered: 6.07
